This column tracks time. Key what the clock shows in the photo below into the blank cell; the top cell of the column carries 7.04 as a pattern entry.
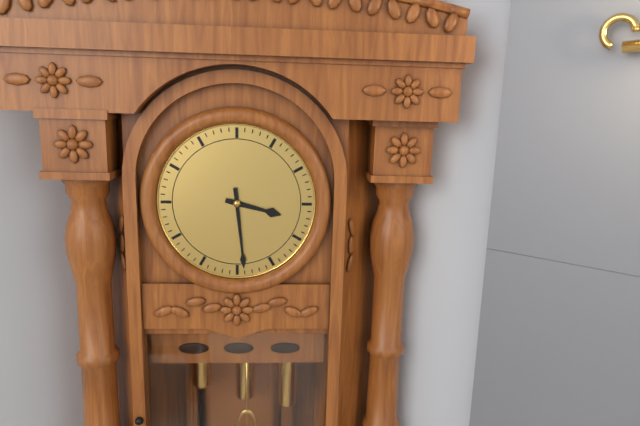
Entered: 3.29
